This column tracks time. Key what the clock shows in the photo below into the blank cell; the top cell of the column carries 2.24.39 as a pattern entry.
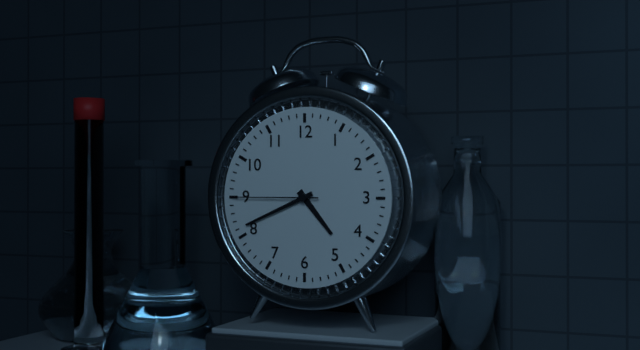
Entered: 4.41.45
